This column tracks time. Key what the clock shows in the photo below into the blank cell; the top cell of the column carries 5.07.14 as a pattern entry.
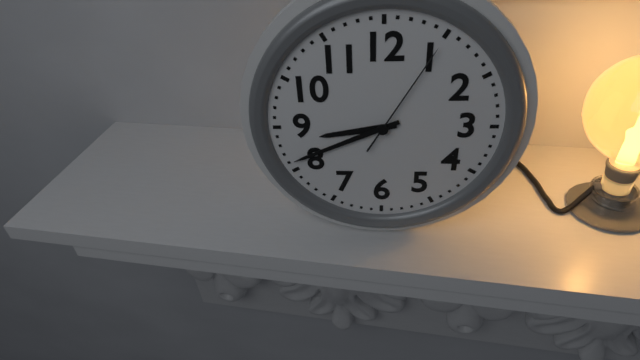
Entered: 8.41.05
